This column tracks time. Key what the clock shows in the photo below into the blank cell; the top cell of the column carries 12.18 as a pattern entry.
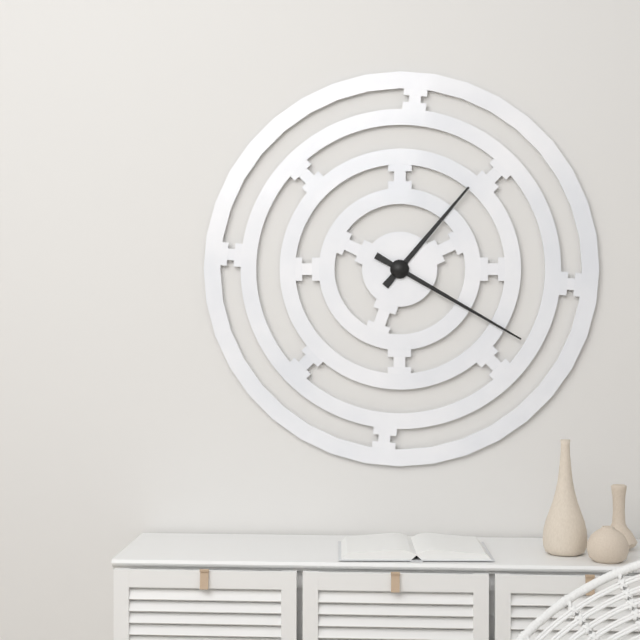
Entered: 1.20
